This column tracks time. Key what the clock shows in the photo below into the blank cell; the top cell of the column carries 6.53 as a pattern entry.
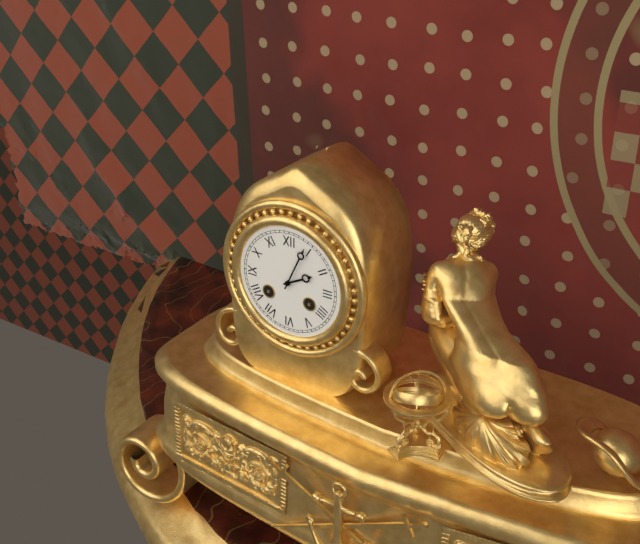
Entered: 2.04
